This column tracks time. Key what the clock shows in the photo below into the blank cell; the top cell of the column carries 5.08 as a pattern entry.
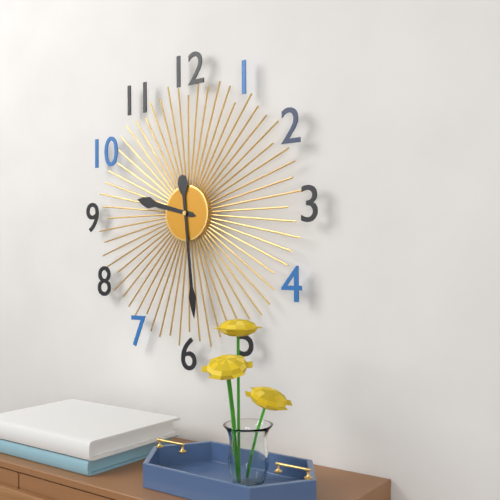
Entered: 9.29
